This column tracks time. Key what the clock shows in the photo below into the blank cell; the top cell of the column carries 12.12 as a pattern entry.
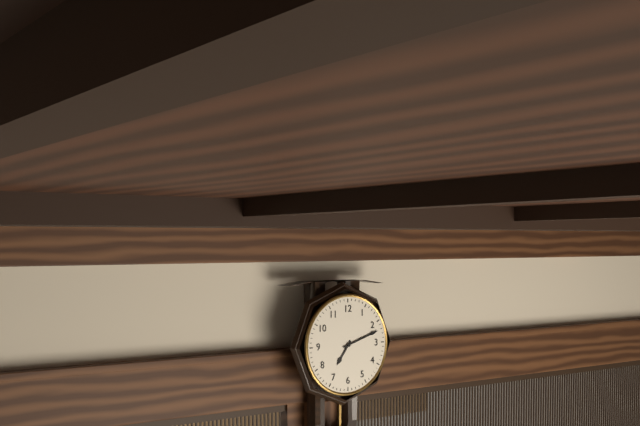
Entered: 7.12
